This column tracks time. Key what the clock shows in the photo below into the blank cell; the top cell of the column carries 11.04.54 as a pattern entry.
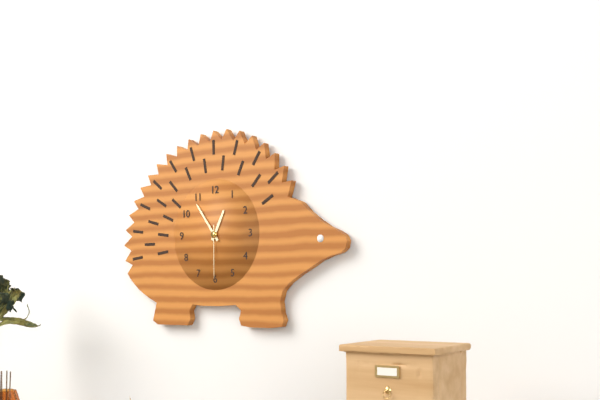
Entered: 12.54.30
